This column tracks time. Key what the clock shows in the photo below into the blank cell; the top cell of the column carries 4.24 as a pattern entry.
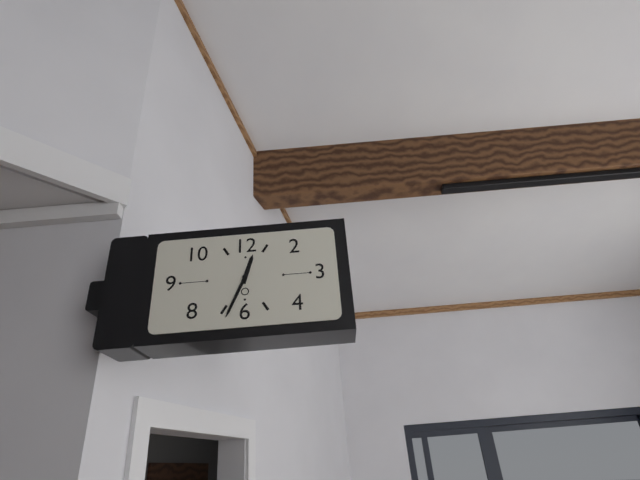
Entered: 12.34
